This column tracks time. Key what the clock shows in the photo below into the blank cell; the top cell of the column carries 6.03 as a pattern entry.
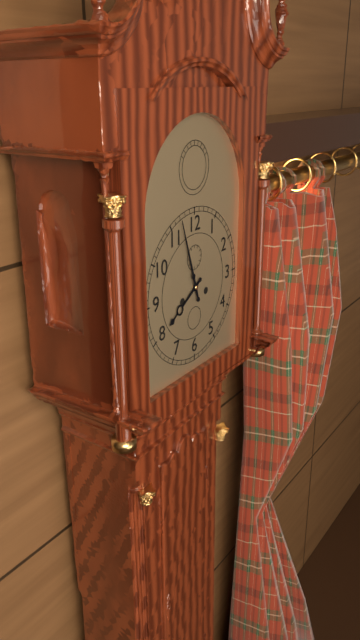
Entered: 7.57
